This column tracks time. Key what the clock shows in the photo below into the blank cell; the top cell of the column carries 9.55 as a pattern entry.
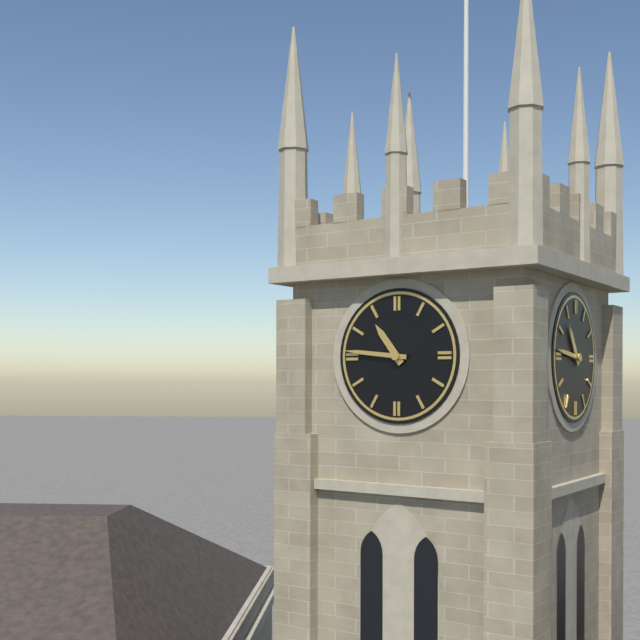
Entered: 10.46
